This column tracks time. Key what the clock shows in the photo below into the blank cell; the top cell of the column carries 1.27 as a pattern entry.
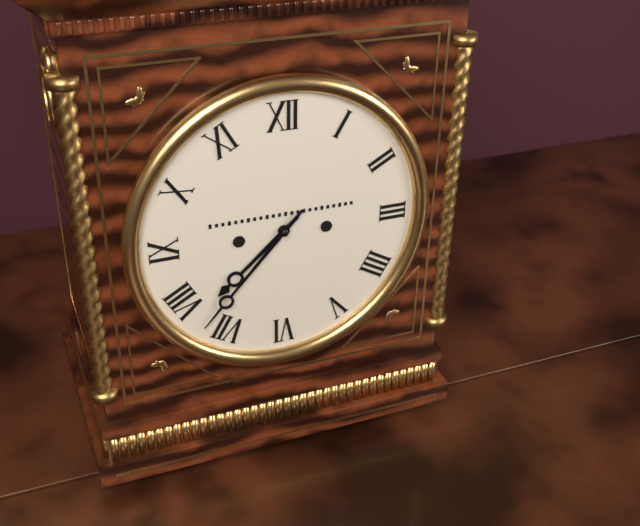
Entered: 7.37
